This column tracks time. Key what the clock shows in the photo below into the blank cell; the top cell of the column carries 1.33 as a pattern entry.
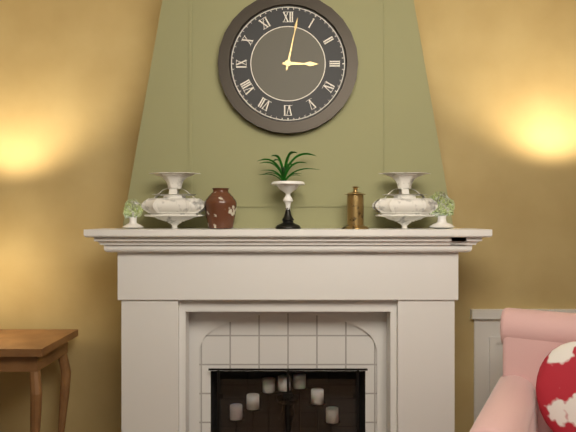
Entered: 3.02
